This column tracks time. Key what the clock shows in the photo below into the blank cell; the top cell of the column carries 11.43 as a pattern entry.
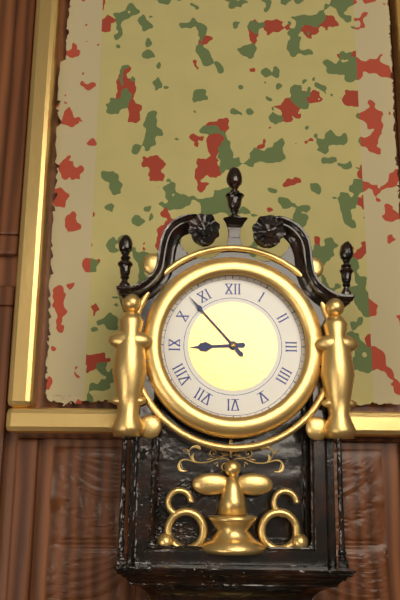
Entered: 8.53
